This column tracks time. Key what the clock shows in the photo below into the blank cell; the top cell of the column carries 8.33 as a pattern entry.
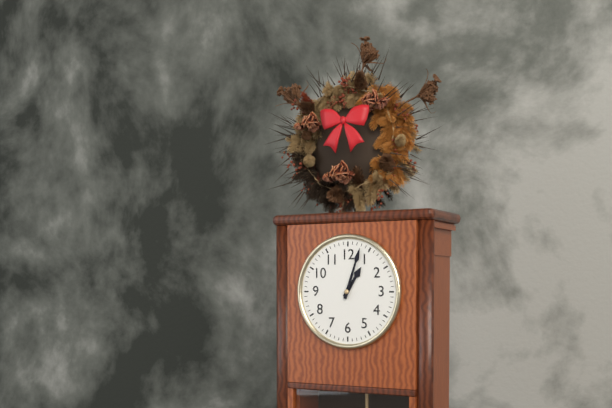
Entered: 1.03
